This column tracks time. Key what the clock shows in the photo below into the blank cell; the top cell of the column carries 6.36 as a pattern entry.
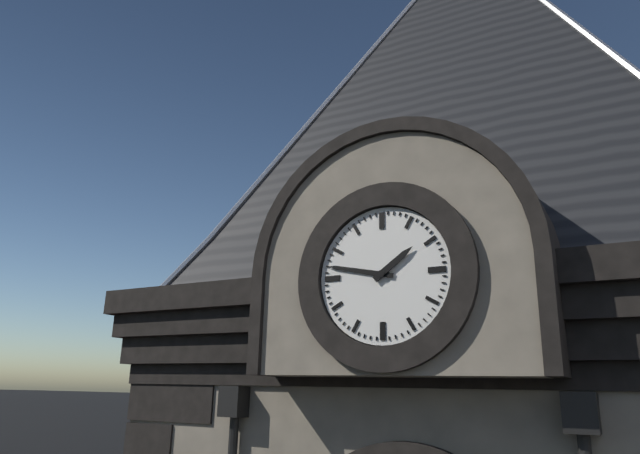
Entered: 1.47
